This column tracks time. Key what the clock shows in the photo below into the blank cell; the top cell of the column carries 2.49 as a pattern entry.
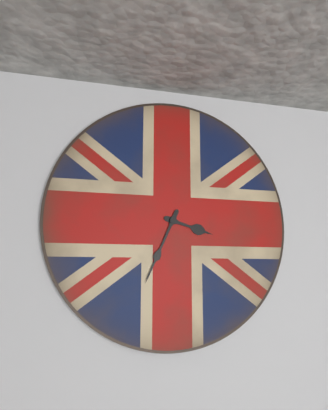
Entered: 3.34
